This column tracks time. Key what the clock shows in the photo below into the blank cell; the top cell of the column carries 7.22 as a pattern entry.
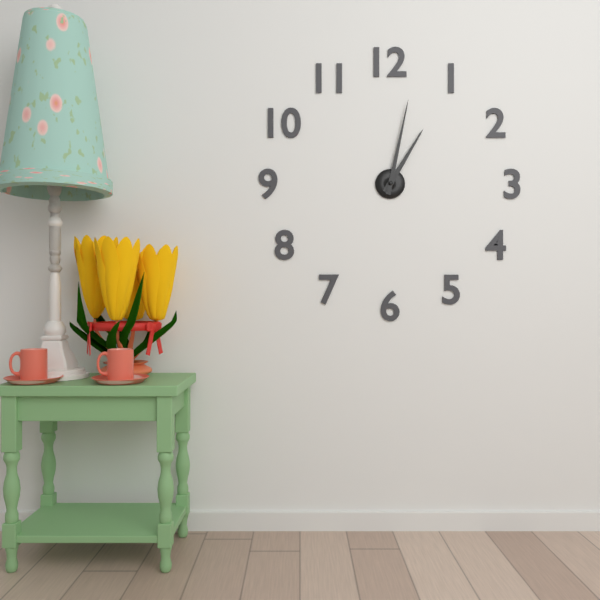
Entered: 1.02
